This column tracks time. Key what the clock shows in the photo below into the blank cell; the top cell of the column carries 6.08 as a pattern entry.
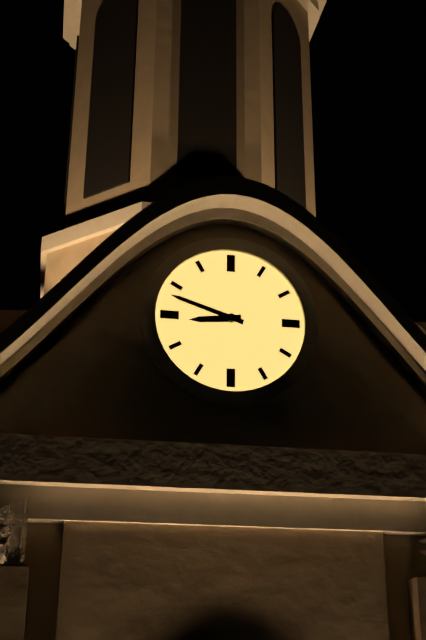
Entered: 8.48
